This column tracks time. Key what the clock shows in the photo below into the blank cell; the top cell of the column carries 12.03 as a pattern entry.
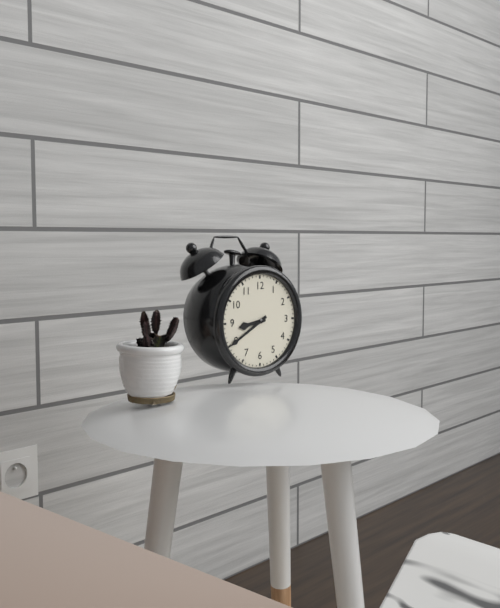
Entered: 8.40
